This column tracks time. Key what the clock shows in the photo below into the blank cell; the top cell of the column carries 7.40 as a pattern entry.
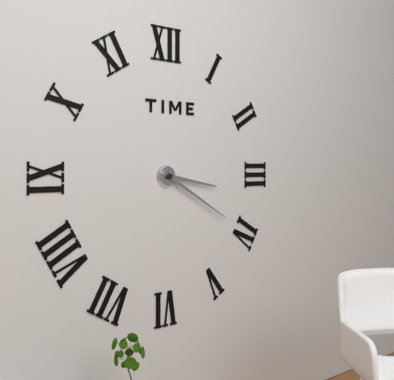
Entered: 3.20
